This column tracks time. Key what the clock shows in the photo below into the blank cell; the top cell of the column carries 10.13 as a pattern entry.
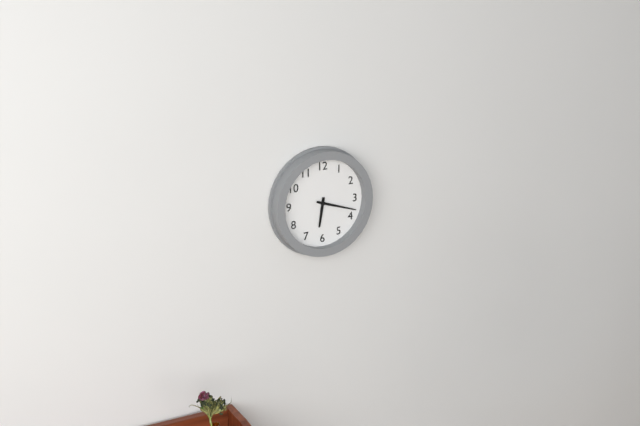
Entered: 6.18
